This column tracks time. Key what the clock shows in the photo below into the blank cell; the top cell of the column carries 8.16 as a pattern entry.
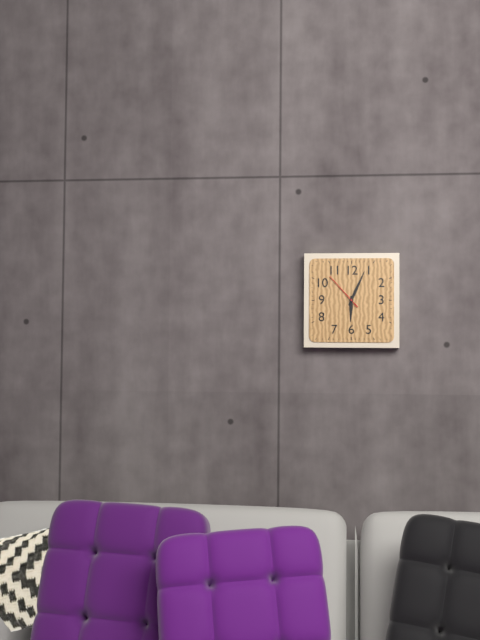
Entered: 6.04
